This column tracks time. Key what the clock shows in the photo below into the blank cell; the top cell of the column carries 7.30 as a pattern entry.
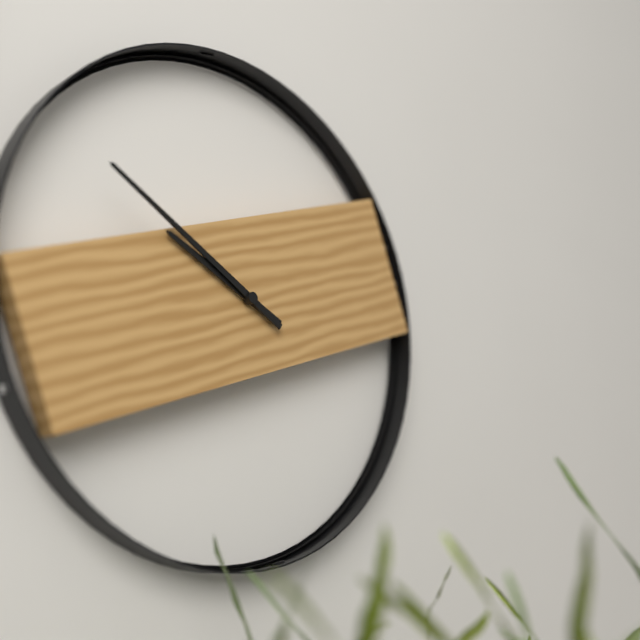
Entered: 9.50
